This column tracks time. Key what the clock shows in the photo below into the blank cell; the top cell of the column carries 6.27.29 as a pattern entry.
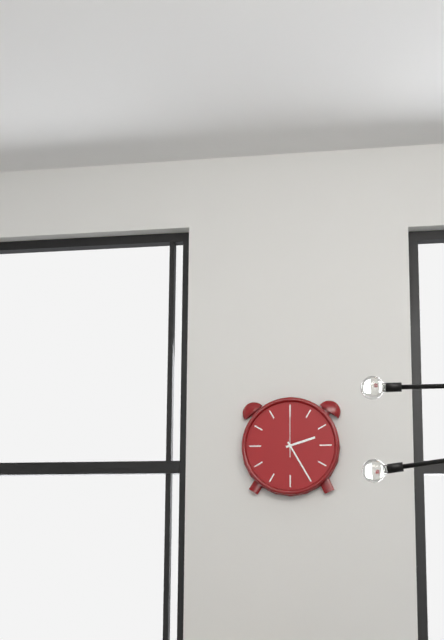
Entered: 2.25.00
